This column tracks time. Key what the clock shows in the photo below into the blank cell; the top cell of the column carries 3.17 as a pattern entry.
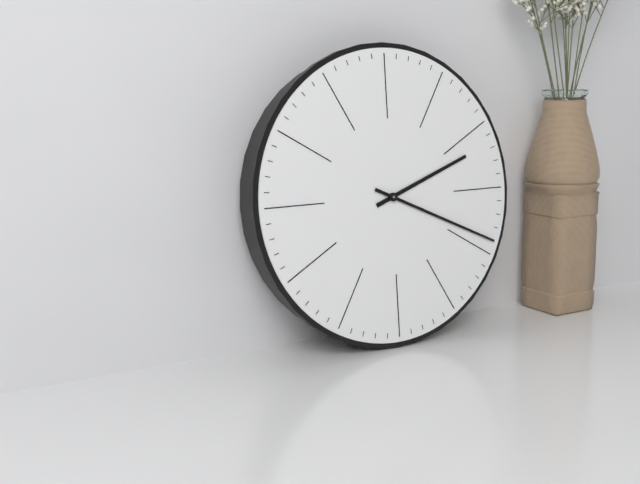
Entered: 2.19
